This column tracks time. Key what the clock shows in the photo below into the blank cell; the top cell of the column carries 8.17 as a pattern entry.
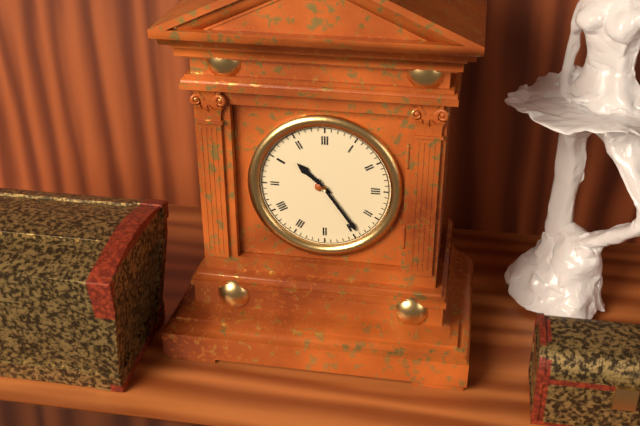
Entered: 10.24
